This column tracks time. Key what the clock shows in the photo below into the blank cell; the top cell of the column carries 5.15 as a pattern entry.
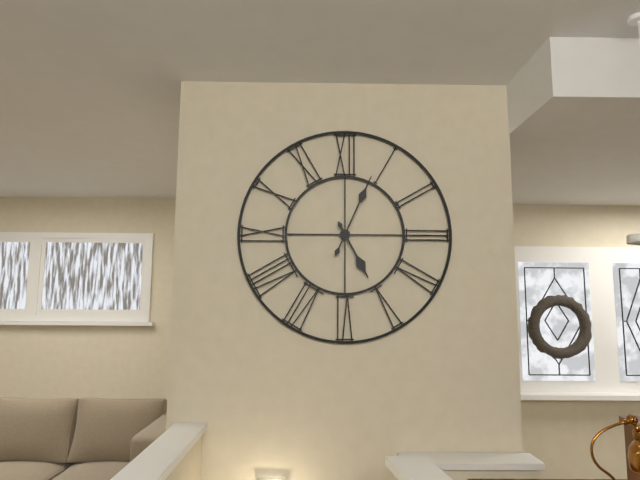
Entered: 5.04
